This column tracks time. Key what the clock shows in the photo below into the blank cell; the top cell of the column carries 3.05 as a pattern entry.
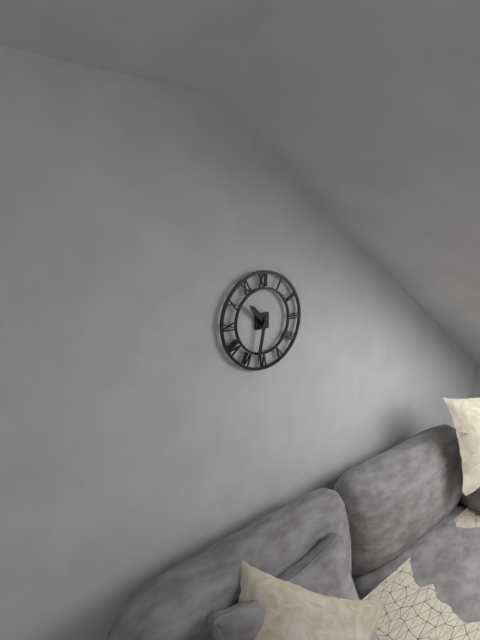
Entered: 10.32
